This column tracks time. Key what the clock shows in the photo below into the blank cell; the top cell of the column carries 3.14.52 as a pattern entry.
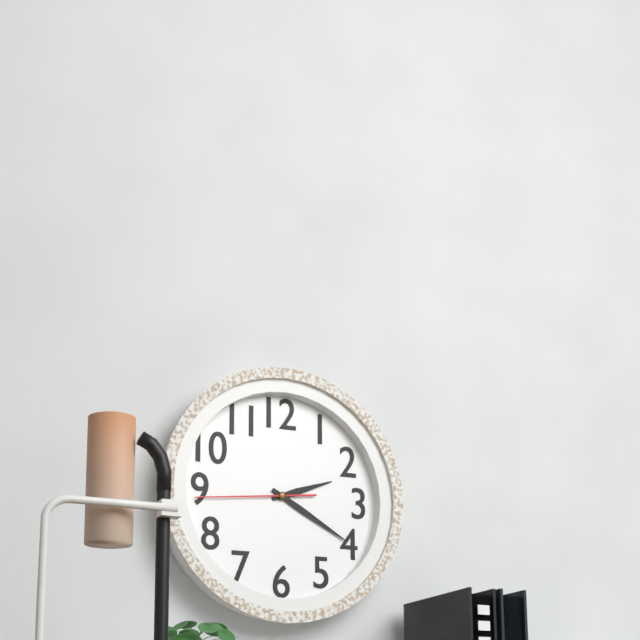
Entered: 2.20.44
